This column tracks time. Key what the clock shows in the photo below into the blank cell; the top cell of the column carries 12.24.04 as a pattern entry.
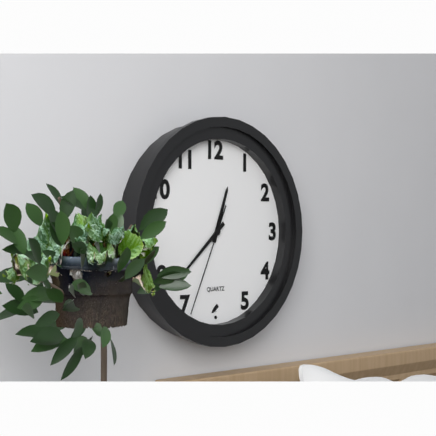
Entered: 12.38.34
